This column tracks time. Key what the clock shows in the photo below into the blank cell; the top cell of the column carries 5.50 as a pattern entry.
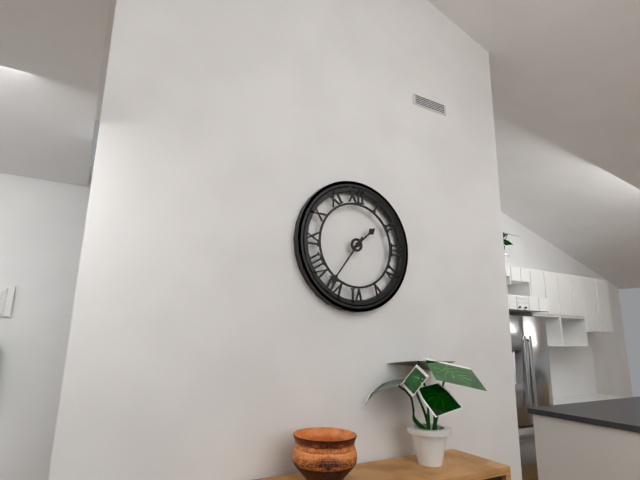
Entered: 1.36
